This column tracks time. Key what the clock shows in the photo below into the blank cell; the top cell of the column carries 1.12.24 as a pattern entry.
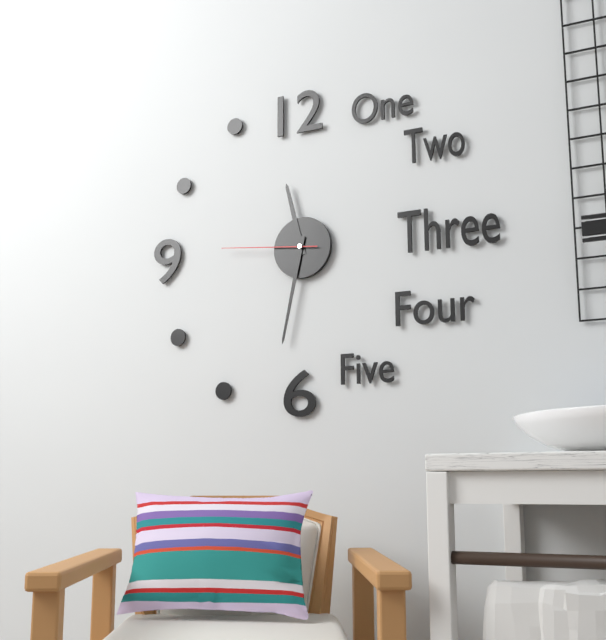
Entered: 11.32.46
